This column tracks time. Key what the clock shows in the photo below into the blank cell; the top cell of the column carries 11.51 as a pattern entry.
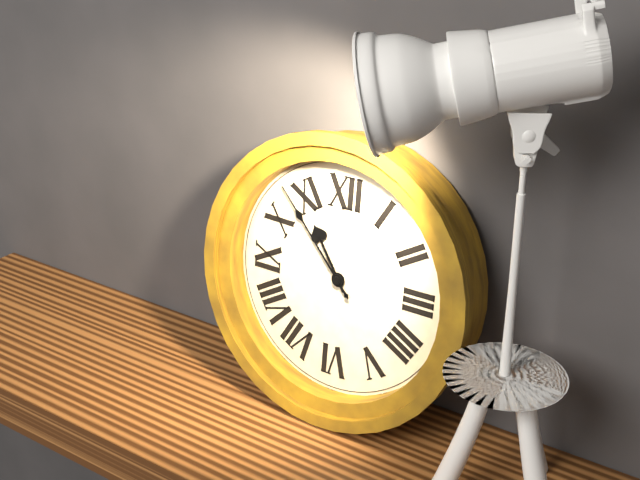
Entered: 10.53
